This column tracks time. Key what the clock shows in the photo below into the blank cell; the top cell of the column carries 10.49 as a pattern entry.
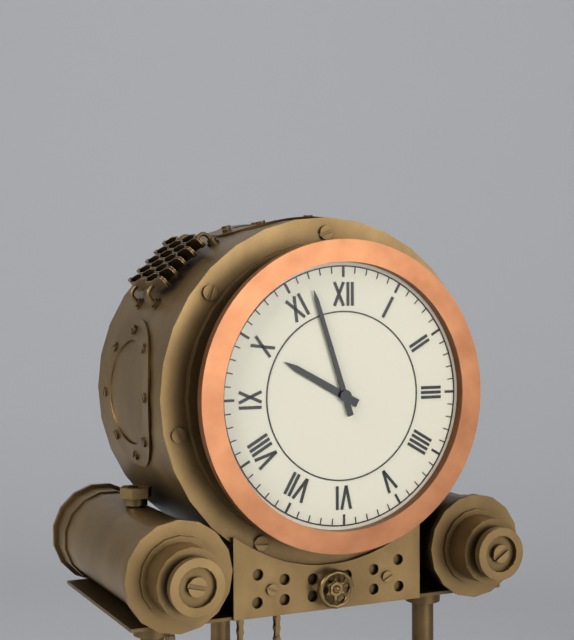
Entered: 9.57
